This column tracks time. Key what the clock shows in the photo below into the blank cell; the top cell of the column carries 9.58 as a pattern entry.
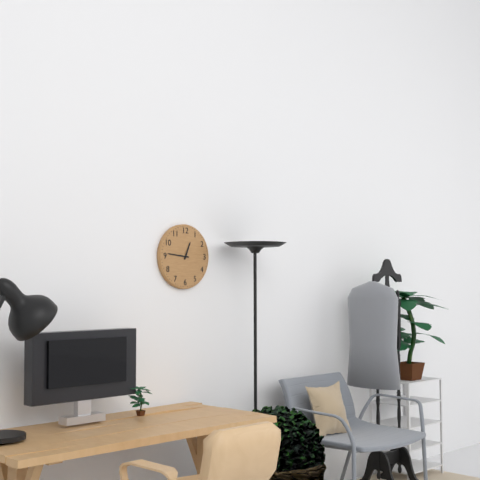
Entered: 12.46
